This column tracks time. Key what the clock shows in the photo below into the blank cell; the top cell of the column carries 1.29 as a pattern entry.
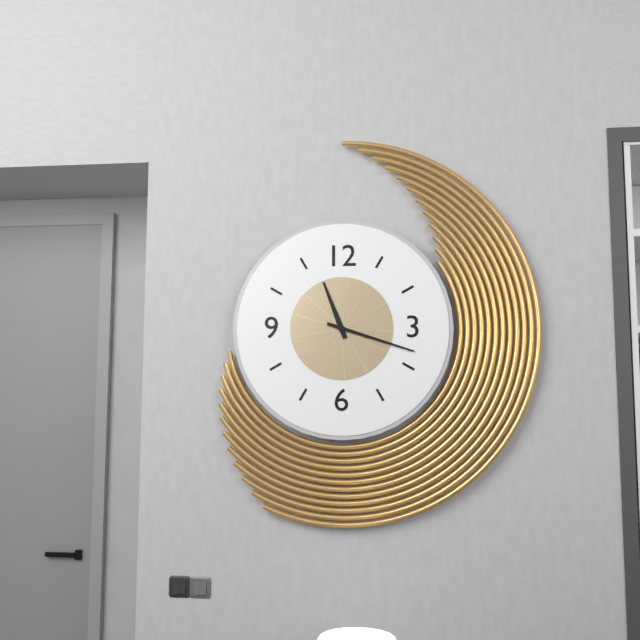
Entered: 11.18
